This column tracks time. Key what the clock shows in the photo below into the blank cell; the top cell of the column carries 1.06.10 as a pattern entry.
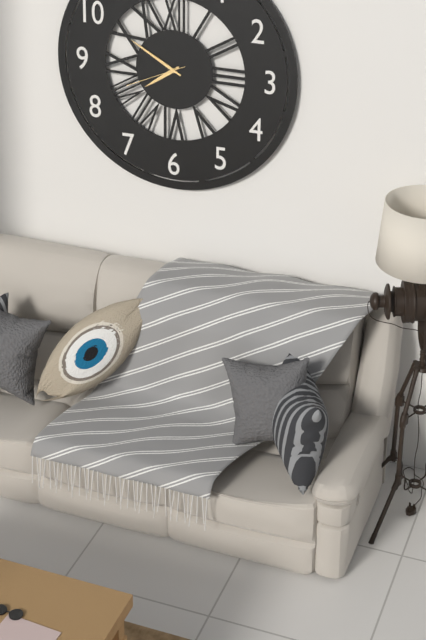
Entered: 7.50.41
